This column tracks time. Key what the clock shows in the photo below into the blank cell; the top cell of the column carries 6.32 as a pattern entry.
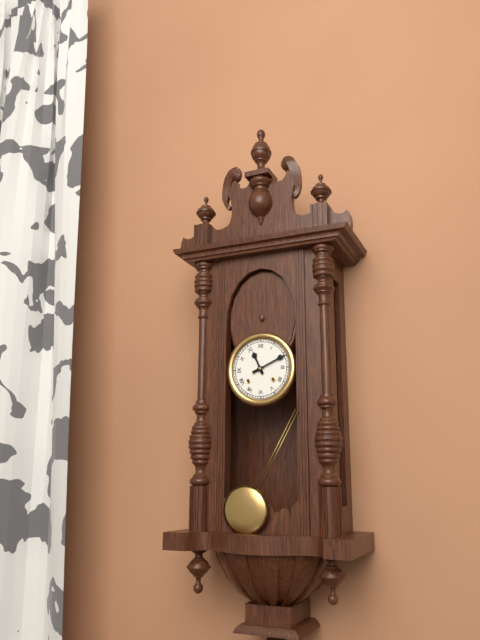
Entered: 11.11
